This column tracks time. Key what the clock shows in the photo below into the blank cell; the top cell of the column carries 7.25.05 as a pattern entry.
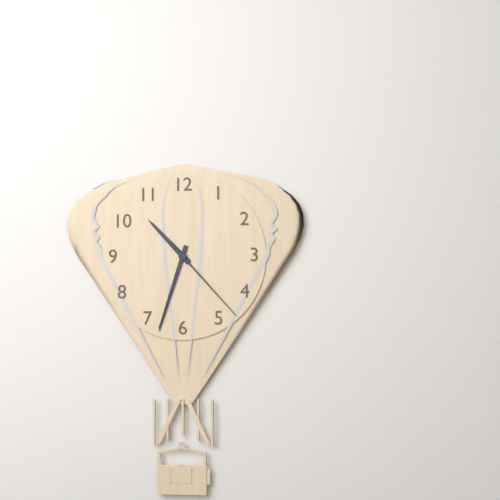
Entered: 10.33.23
